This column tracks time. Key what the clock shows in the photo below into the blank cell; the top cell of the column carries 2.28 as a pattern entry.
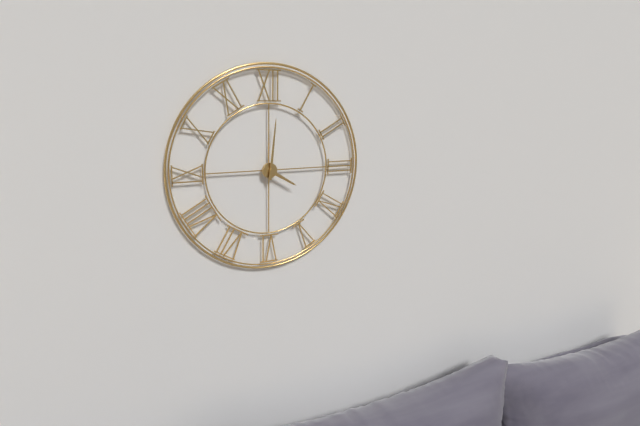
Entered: 4.01
